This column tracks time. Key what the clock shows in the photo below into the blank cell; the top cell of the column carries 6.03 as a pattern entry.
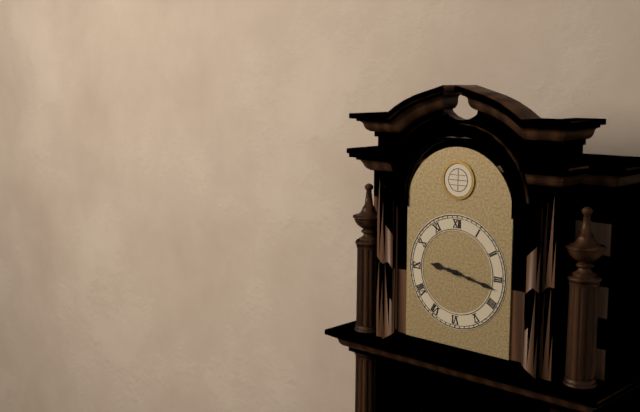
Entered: 9.17
